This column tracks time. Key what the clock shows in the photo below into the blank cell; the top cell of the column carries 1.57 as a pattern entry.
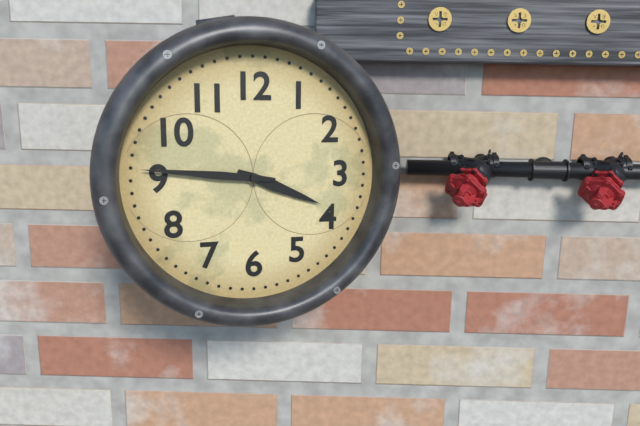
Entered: 3.46
